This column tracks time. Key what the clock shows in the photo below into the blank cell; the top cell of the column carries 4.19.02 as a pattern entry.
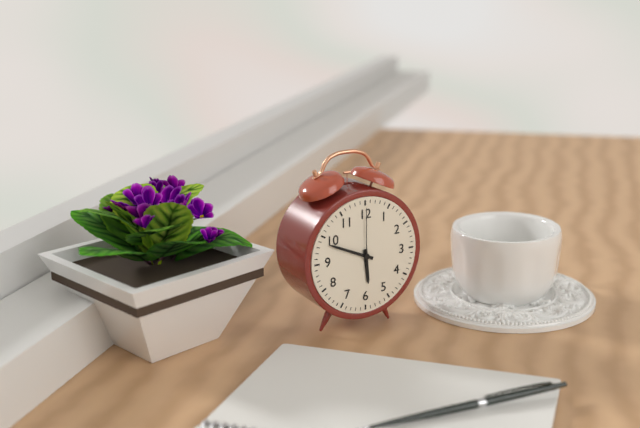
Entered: 5.49.00
